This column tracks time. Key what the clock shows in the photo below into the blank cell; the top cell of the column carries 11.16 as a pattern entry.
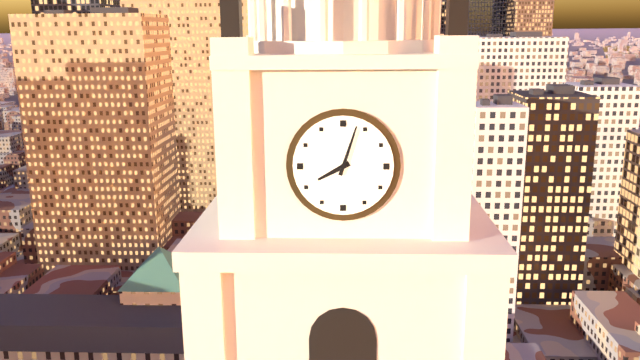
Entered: 8.03
